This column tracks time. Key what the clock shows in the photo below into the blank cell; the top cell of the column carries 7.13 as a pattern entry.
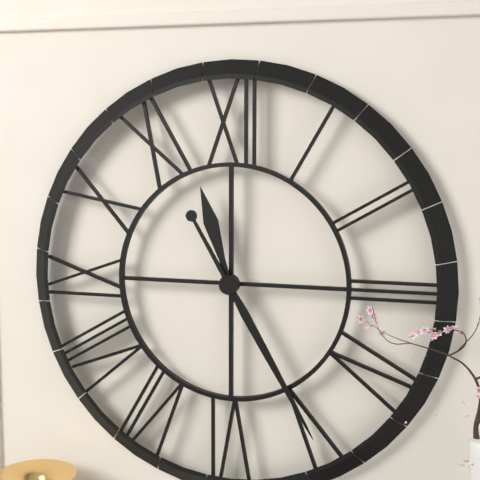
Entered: 11.25
